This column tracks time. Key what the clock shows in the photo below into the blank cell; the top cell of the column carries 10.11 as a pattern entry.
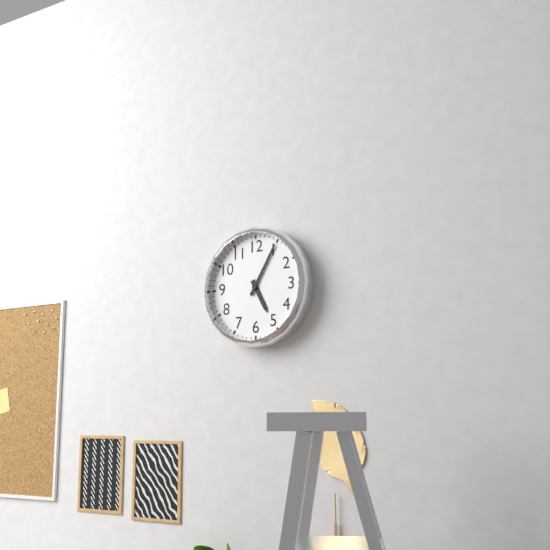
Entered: 5.05
